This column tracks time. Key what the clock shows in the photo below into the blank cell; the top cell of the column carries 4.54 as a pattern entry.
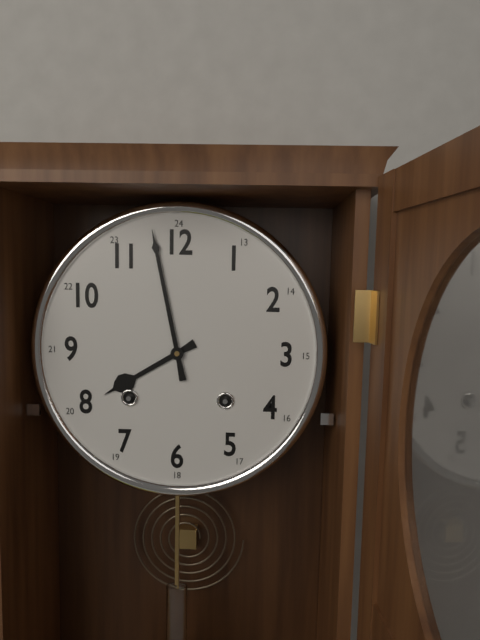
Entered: 7.58
